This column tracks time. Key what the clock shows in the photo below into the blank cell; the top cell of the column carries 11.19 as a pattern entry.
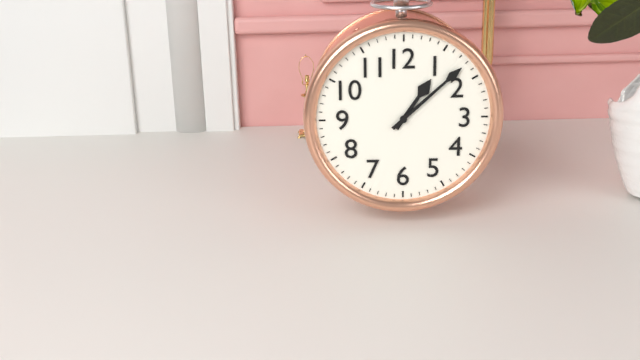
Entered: 1.08
